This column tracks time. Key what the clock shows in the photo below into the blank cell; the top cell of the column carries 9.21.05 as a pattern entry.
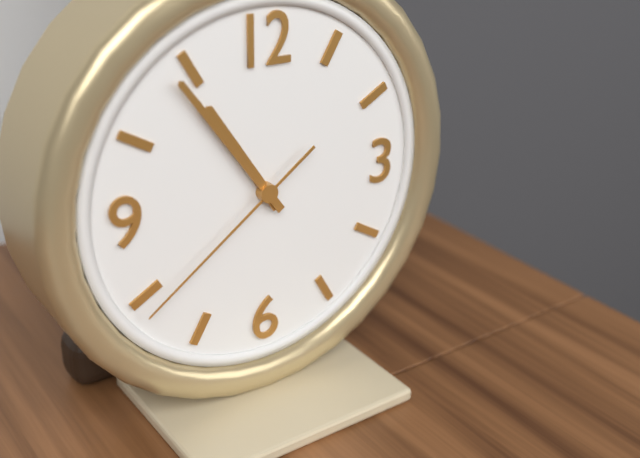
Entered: 10.54.39
